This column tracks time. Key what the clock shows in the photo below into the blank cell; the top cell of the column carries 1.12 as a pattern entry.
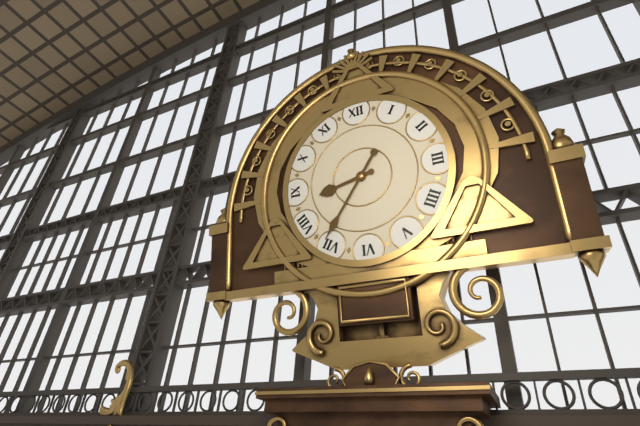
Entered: 8.36
